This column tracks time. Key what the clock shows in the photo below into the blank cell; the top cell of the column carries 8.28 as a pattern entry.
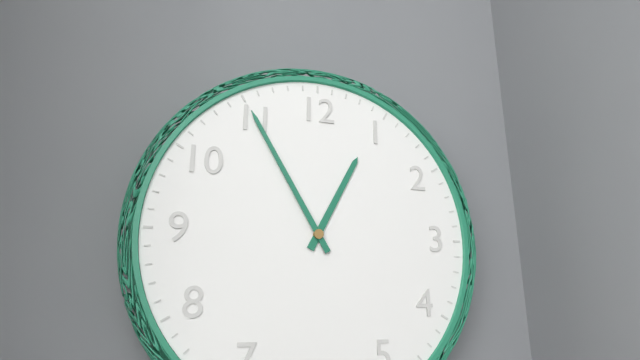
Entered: 12.55
